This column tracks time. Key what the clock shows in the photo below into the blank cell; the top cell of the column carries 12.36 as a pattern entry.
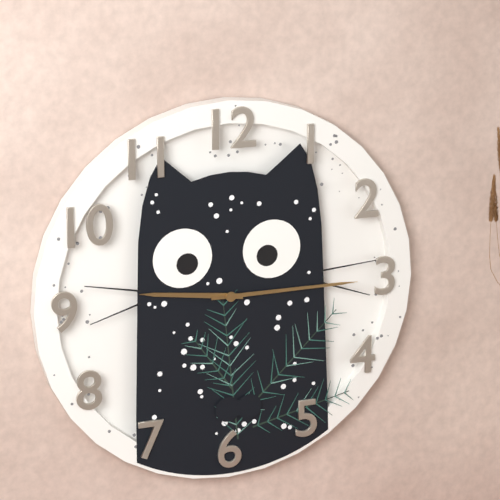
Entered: 9.15
